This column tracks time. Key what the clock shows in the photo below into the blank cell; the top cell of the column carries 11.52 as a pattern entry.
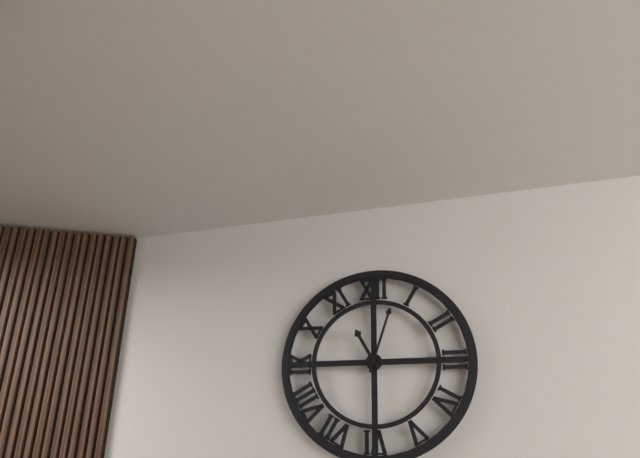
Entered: 11.03
